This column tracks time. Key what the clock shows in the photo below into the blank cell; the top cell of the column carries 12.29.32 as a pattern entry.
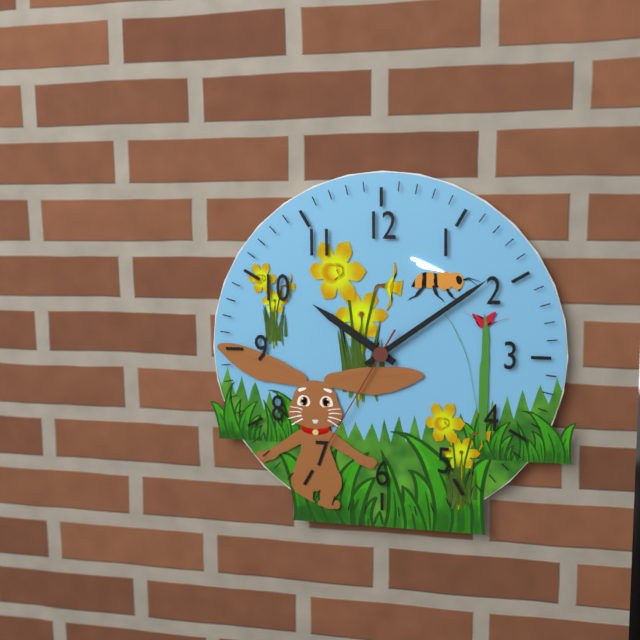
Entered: 10.09.35
